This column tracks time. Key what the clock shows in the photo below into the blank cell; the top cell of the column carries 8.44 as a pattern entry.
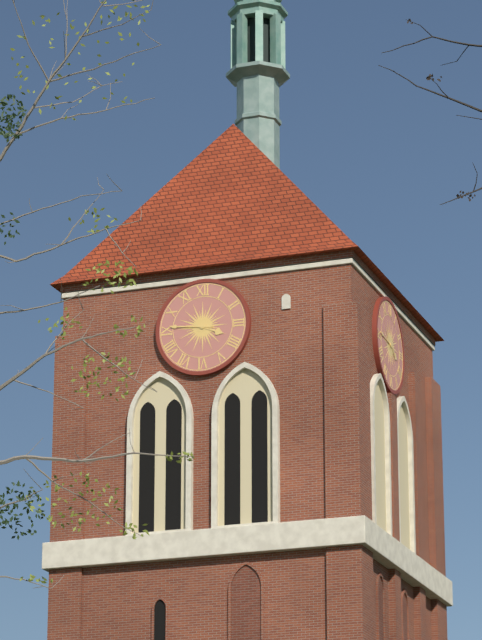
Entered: 3.46
